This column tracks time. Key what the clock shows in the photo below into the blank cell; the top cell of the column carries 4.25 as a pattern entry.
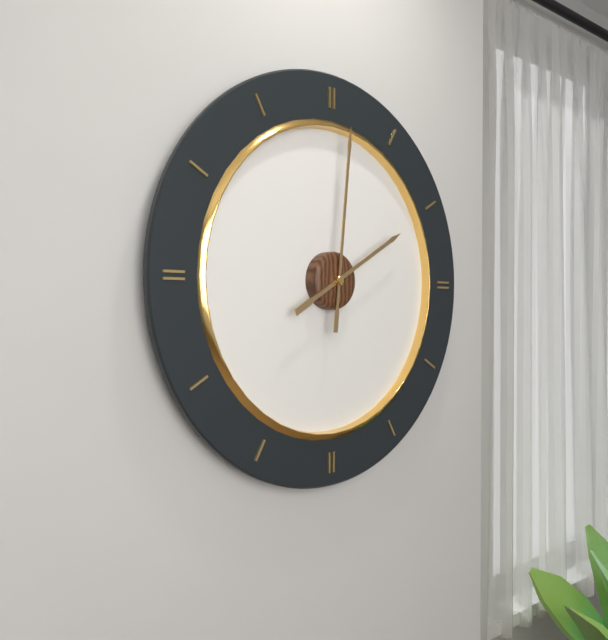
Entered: 2.01
